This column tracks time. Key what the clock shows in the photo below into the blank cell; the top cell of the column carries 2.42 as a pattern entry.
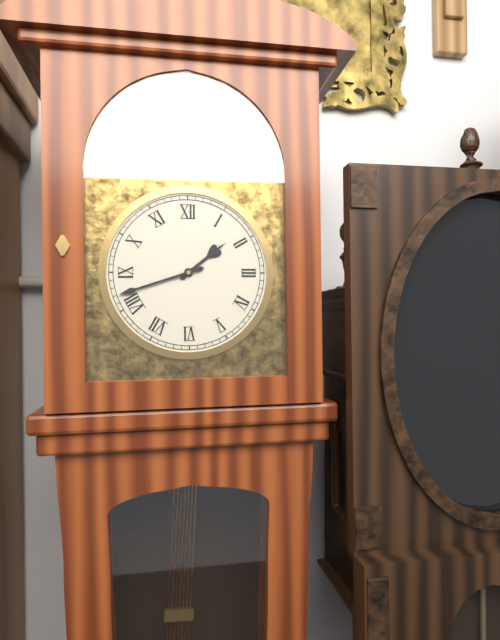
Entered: 1.42
